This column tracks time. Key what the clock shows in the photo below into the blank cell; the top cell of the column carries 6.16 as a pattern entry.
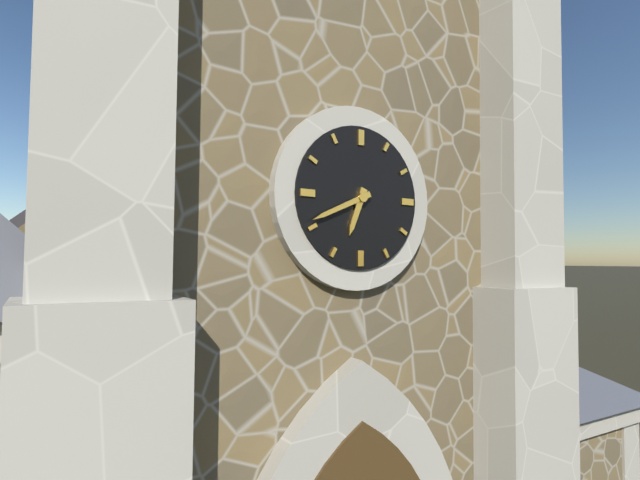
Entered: 6.41
